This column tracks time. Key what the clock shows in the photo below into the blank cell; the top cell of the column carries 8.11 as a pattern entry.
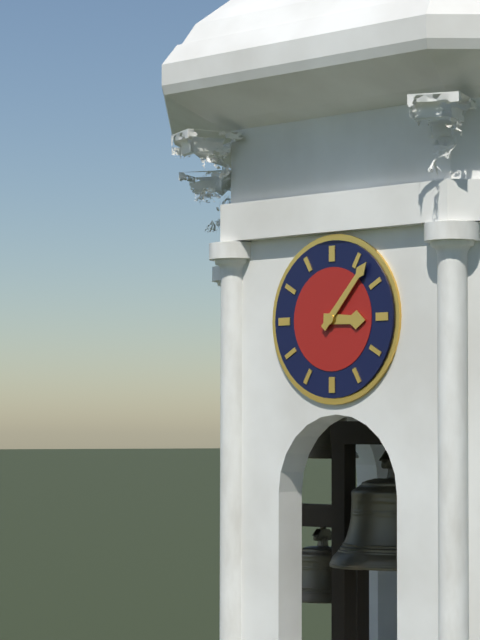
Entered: 3.07
